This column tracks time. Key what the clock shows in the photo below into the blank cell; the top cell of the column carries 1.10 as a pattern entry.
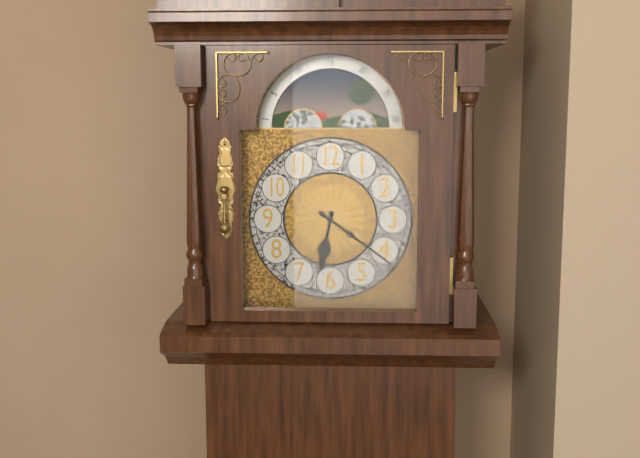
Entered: 6.21
